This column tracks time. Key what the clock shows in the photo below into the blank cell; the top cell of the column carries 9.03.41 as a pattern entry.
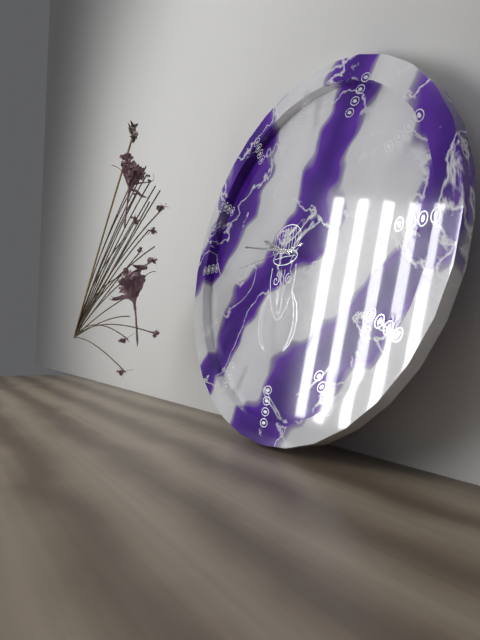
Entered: 9.47.44
